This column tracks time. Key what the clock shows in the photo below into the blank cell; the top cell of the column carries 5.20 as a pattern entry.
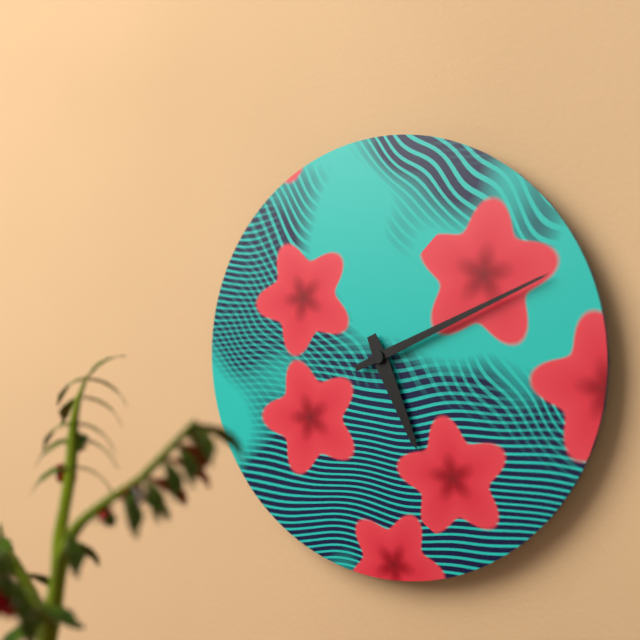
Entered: 5.11
